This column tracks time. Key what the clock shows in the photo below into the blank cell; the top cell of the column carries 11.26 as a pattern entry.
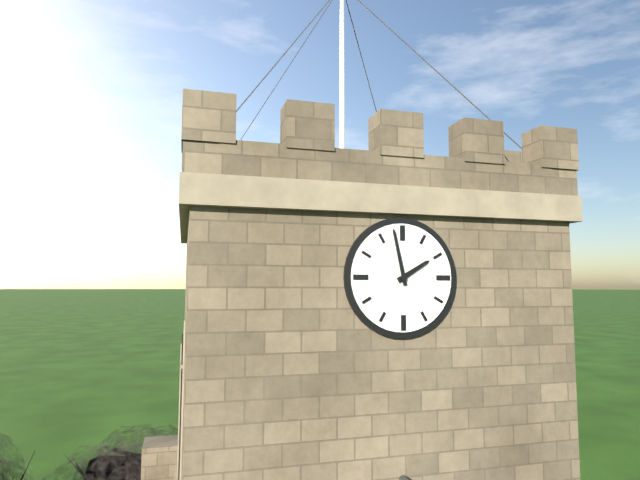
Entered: 1.58
